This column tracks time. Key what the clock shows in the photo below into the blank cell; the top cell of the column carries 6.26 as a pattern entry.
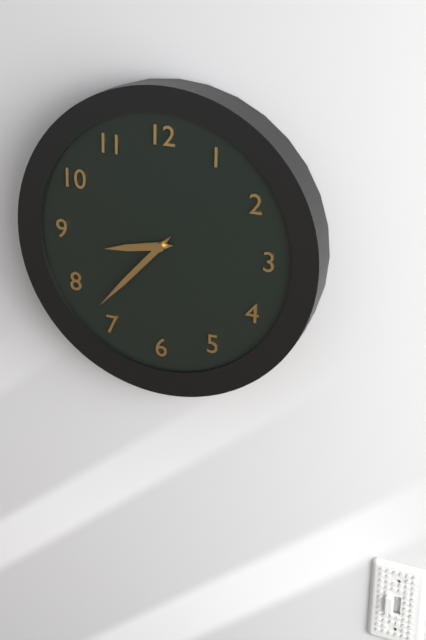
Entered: 8.37
